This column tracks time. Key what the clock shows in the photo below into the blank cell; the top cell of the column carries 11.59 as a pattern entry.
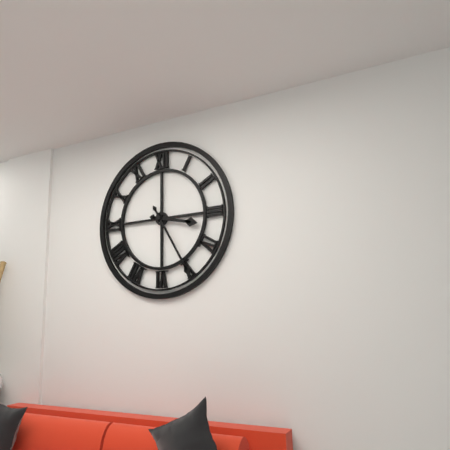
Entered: 3.25
